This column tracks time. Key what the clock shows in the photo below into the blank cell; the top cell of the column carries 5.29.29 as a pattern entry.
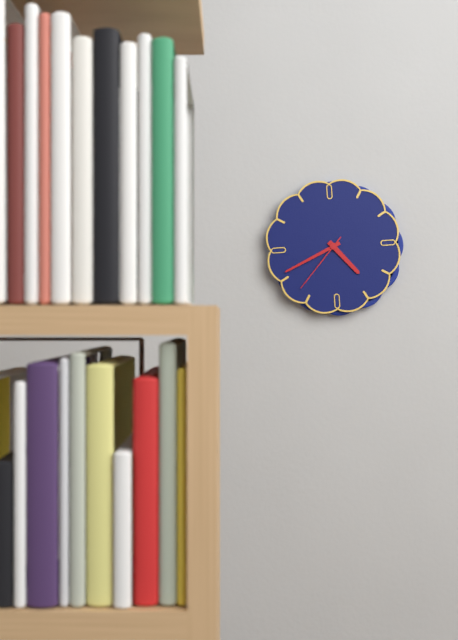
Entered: 4.41.37
